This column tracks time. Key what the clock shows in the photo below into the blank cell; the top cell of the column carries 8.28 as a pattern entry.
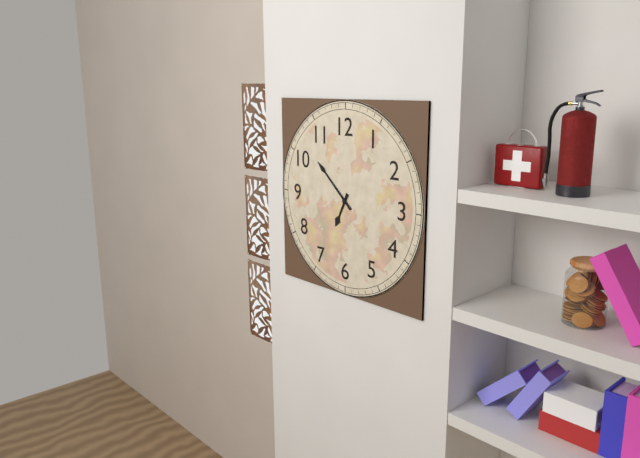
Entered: 6.52
